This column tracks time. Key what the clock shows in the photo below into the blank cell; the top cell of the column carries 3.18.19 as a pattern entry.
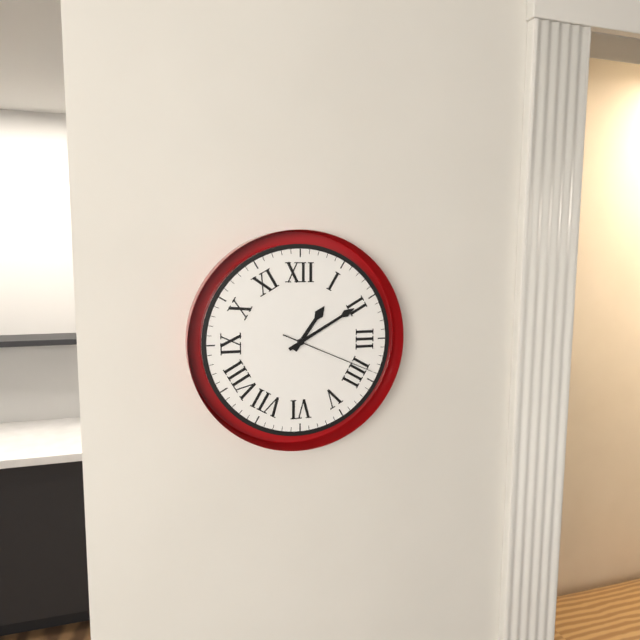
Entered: 1.10.19
